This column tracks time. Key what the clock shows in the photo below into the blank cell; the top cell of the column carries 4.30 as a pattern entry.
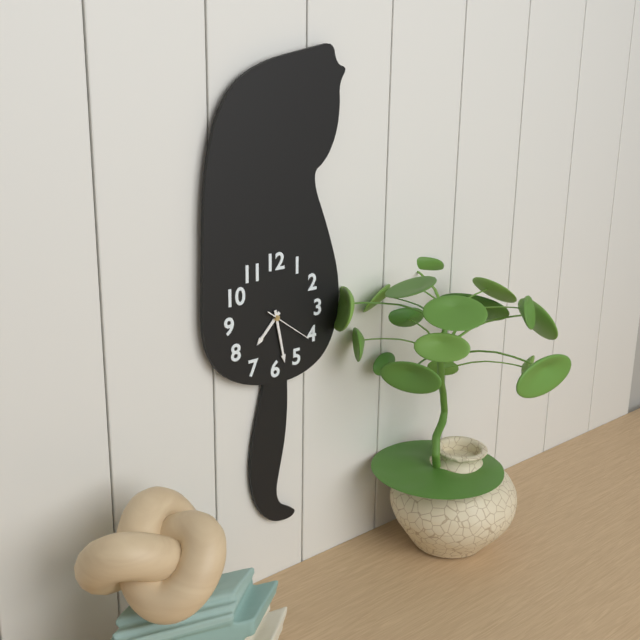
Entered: 7.28
